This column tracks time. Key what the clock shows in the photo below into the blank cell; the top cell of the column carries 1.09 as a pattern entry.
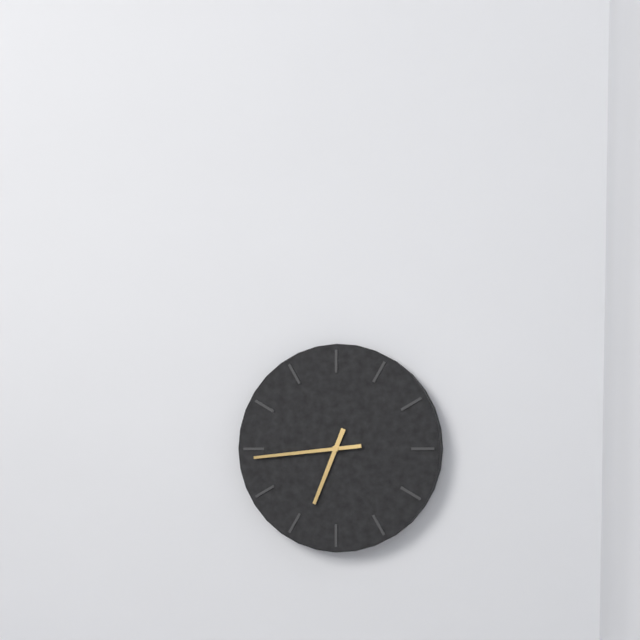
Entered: 6.44
